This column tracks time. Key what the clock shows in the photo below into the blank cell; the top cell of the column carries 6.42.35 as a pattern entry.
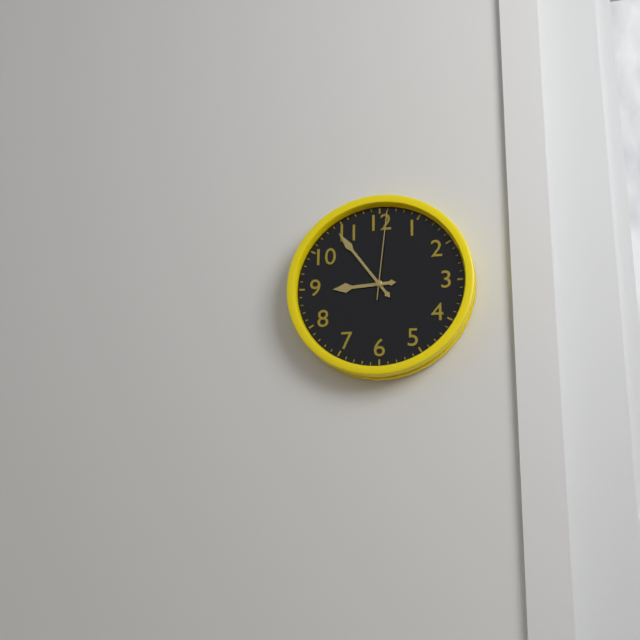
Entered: 8.54.01
